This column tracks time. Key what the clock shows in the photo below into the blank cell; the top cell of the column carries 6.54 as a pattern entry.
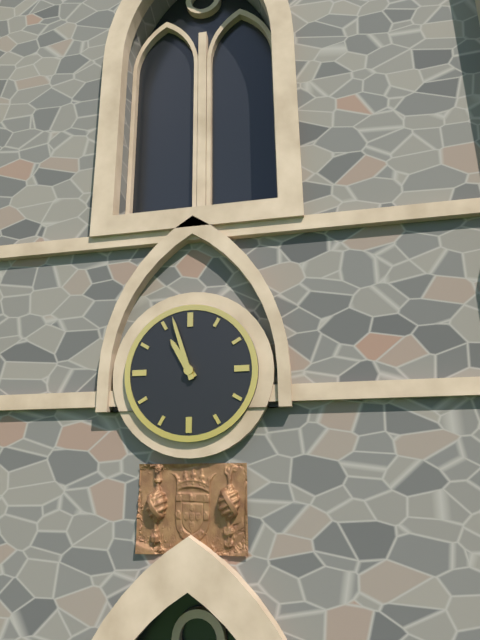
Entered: 10.57
